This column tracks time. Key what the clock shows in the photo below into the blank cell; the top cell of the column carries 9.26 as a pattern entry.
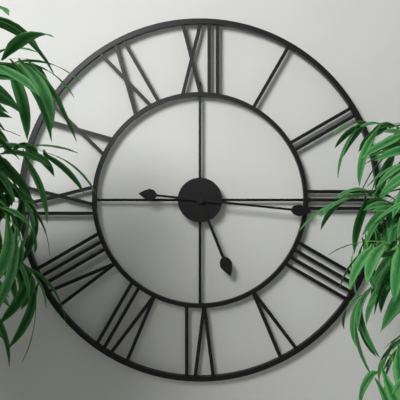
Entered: 5.16
